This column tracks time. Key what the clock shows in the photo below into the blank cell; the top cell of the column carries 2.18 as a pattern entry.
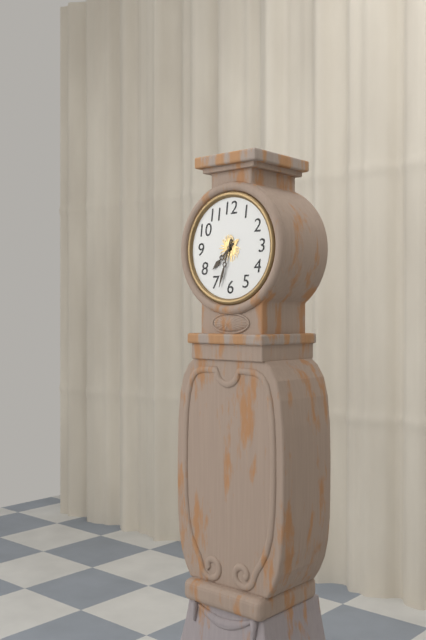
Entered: 7.33
